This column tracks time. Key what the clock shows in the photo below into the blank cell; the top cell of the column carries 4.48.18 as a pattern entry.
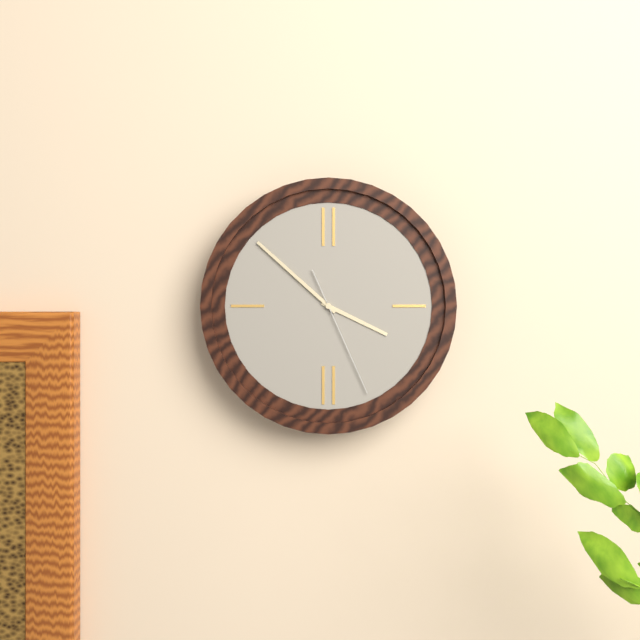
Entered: 3.52.26
